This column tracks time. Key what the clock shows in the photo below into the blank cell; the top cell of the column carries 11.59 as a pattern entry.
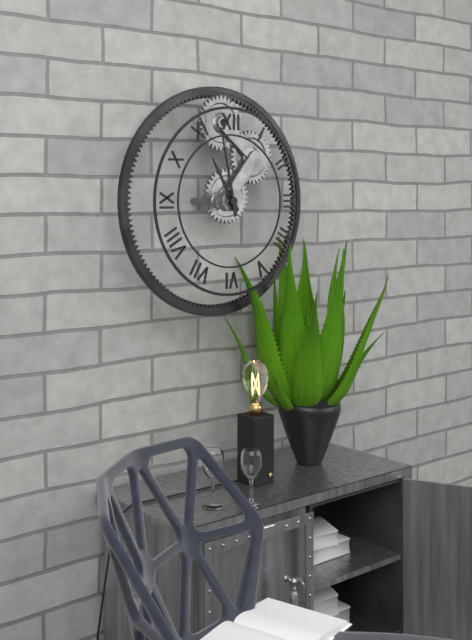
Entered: 10.58
